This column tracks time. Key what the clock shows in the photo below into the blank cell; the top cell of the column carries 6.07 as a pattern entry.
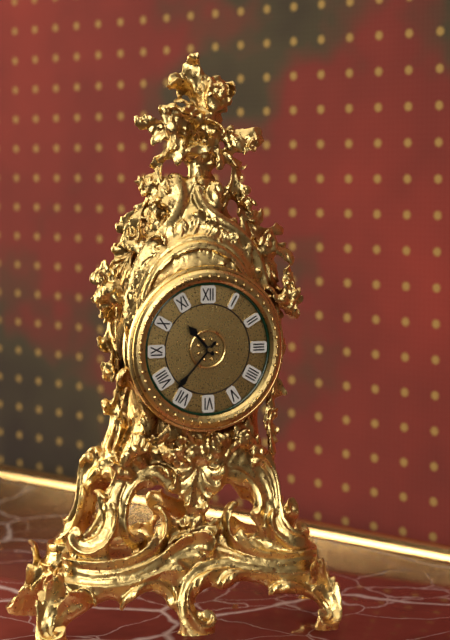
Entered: 10.37
